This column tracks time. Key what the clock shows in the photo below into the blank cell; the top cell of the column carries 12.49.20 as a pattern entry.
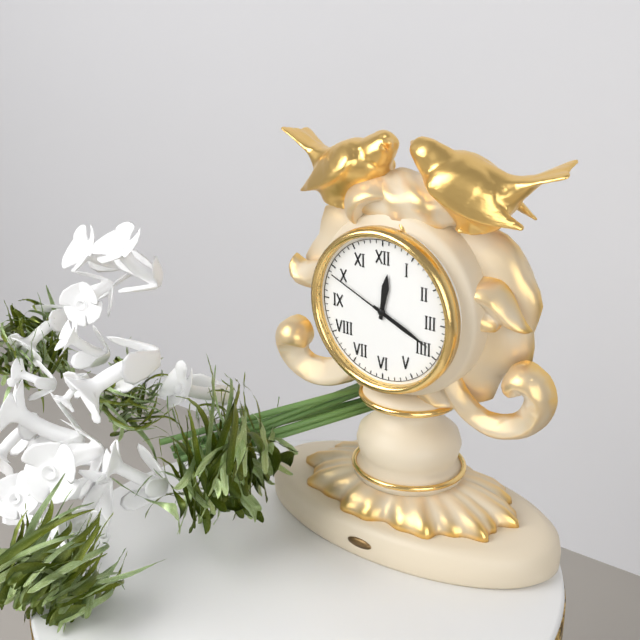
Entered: 12.19.49
